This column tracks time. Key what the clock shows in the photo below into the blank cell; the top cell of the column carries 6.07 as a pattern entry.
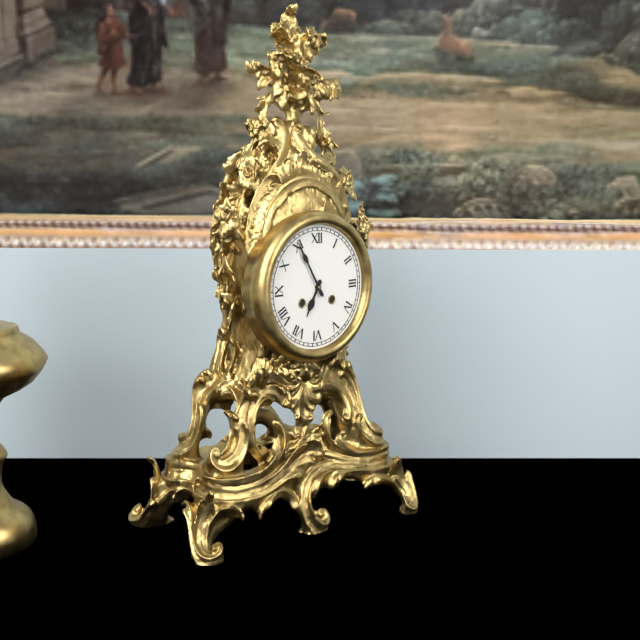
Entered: 6.55
